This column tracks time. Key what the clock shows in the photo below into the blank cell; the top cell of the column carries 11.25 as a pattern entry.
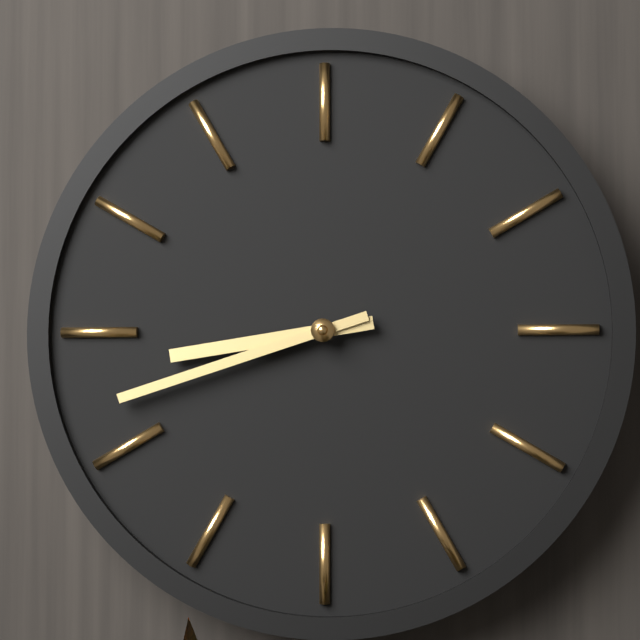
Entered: 8.42
